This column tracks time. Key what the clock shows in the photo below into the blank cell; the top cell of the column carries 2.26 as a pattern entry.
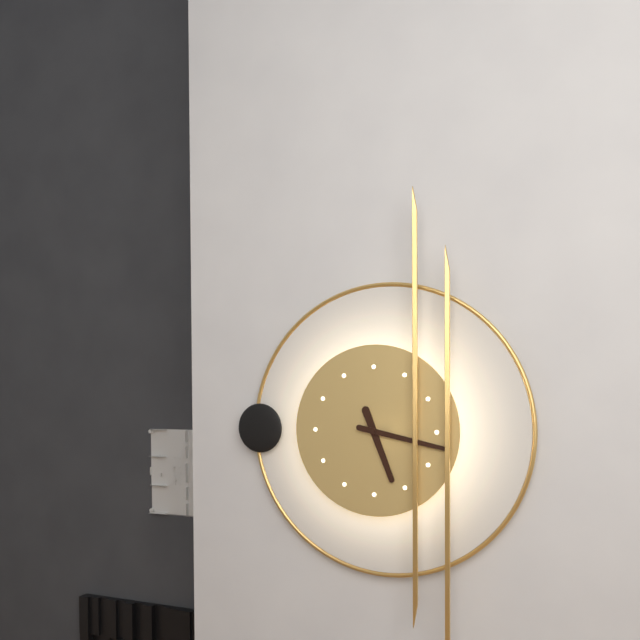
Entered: 5.17
